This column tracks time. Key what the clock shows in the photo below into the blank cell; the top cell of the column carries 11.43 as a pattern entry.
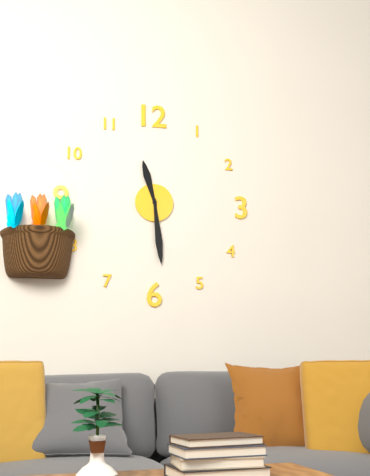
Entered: 11.29
